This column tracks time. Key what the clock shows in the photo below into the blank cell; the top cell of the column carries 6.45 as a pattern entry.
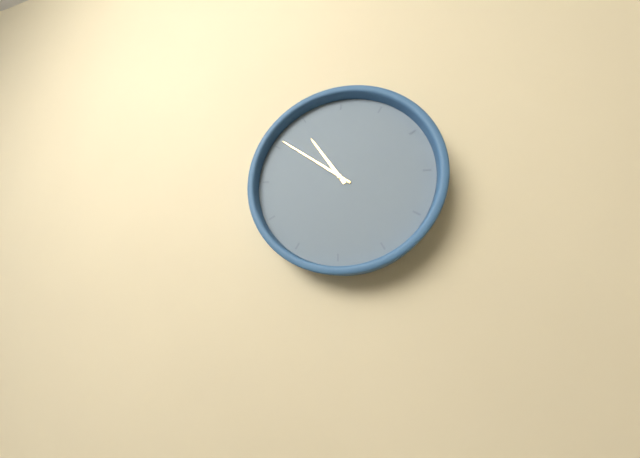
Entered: 10.51
